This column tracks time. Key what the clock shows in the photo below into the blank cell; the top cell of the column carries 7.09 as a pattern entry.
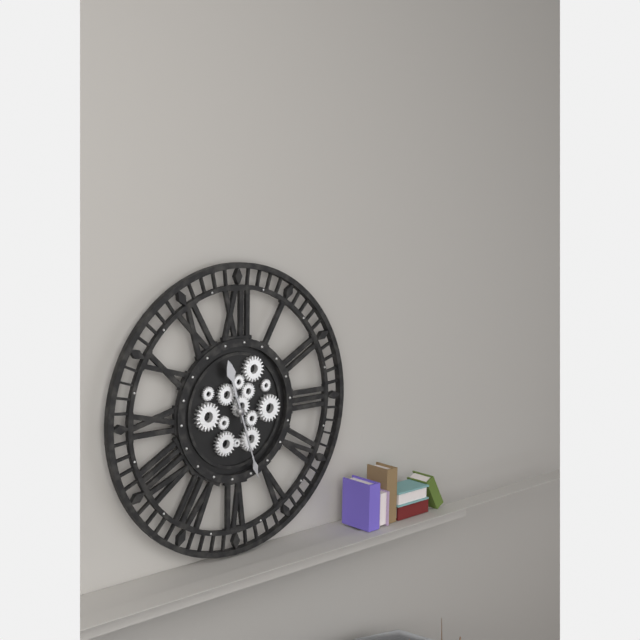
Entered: 11.27
